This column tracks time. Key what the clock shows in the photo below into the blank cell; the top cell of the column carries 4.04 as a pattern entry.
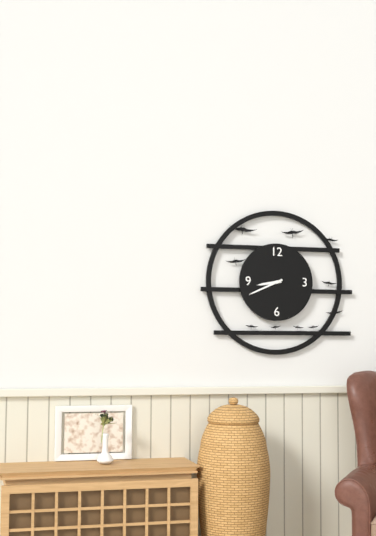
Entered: 8.41
